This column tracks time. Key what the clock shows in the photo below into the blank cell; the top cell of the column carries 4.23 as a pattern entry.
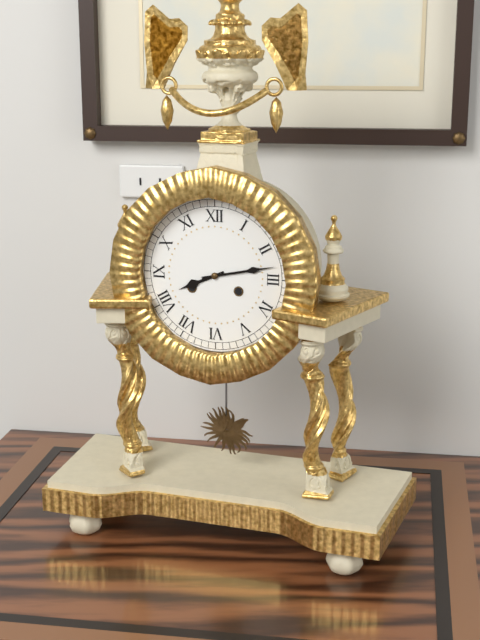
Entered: 8.13
